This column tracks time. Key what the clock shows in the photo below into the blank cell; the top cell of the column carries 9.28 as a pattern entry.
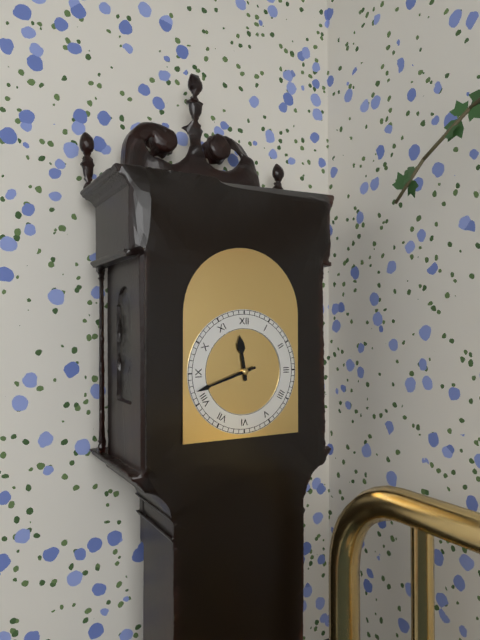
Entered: 11.42
